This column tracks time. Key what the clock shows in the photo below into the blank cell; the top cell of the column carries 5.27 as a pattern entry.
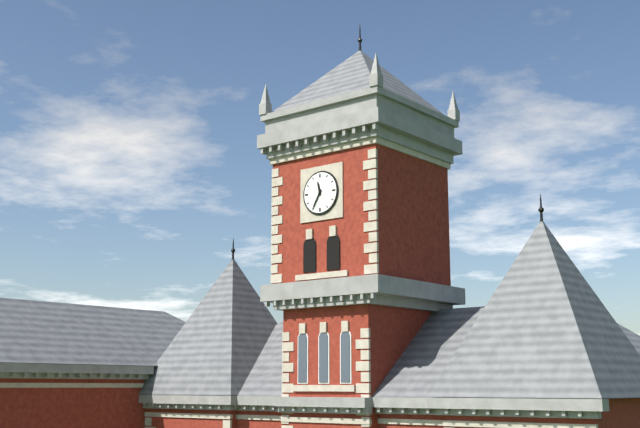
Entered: 11.35
